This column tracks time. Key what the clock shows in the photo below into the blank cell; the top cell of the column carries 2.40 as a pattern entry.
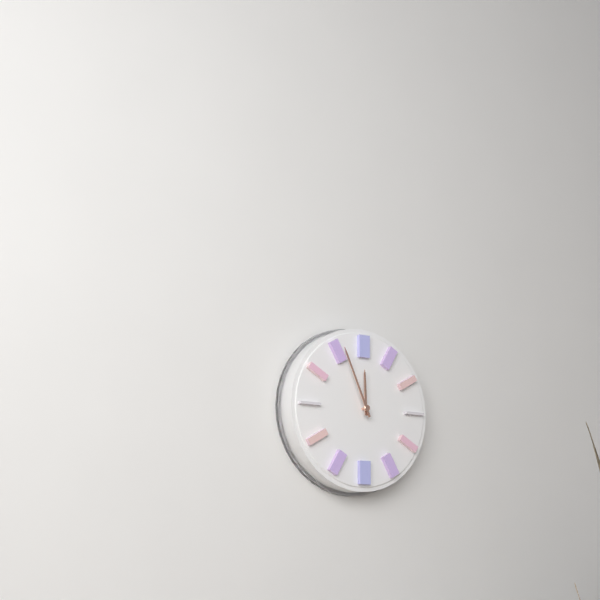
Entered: 11.56
